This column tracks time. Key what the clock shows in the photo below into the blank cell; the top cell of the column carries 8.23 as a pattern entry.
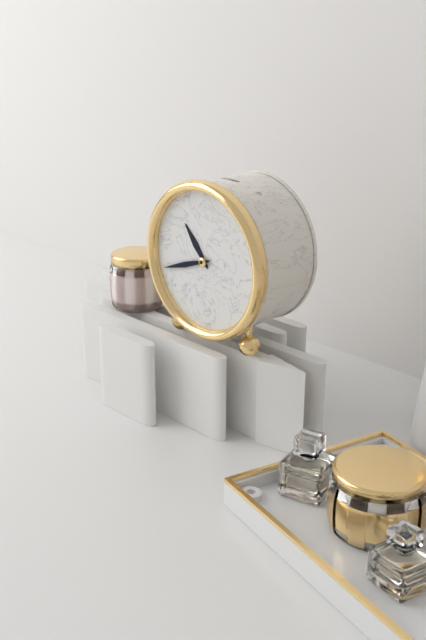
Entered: 10.42
